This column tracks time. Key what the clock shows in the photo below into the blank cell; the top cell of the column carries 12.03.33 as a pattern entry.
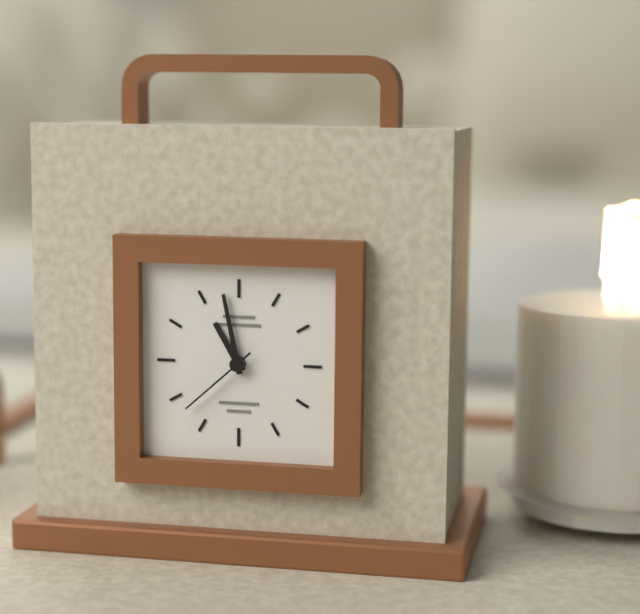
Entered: 10.58.38
